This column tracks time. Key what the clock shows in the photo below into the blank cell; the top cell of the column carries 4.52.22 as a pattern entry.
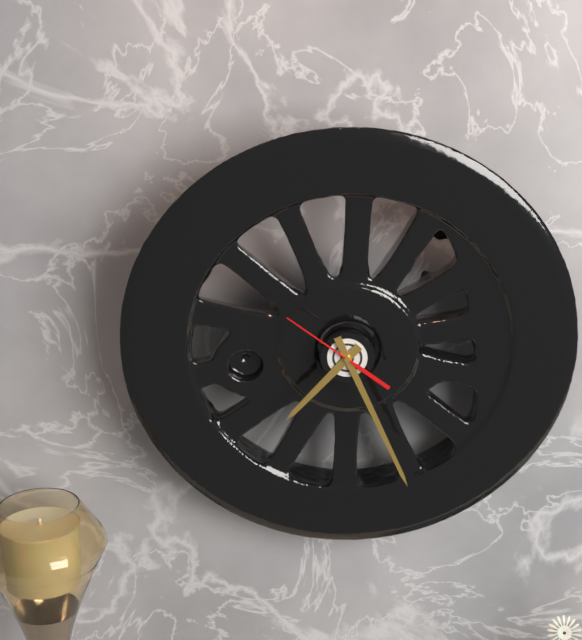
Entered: 7.26.51
